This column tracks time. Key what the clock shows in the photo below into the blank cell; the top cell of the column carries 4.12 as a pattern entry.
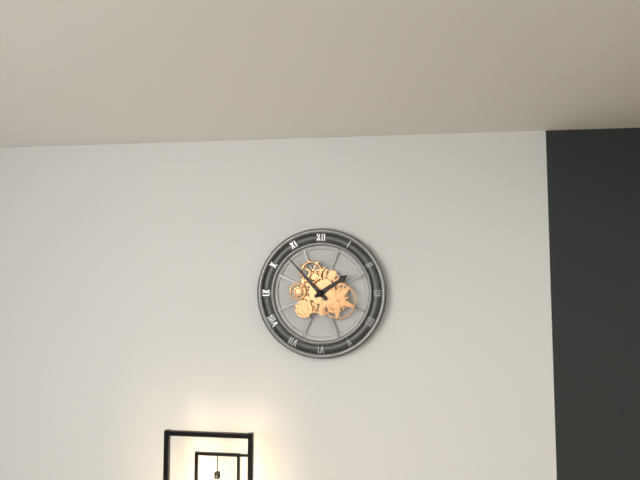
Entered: 1.53
